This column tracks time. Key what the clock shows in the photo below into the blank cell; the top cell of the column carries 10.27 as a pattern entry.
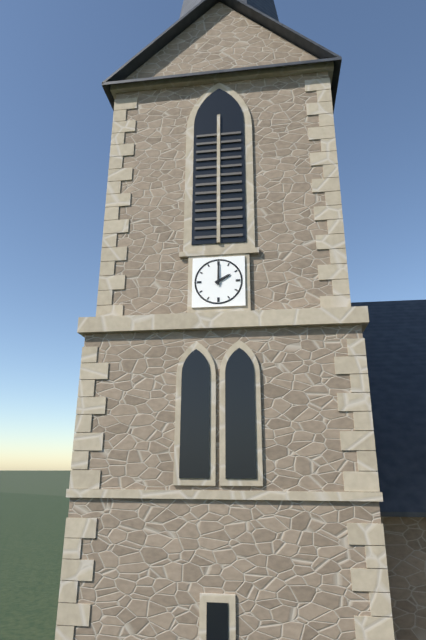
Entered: 2.00
